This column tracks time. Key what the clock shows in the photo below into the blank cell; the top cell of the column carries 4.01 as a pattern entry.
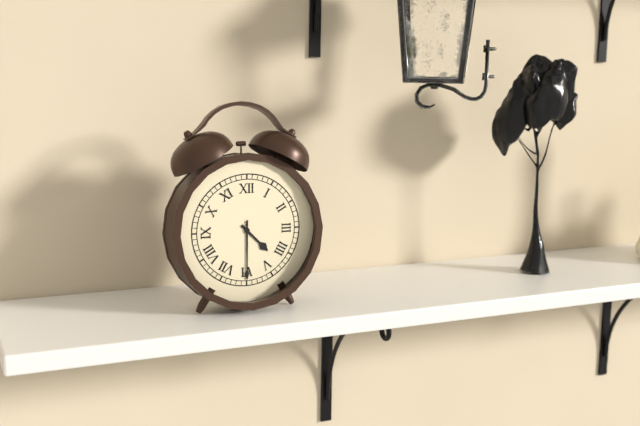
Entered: 4.30
